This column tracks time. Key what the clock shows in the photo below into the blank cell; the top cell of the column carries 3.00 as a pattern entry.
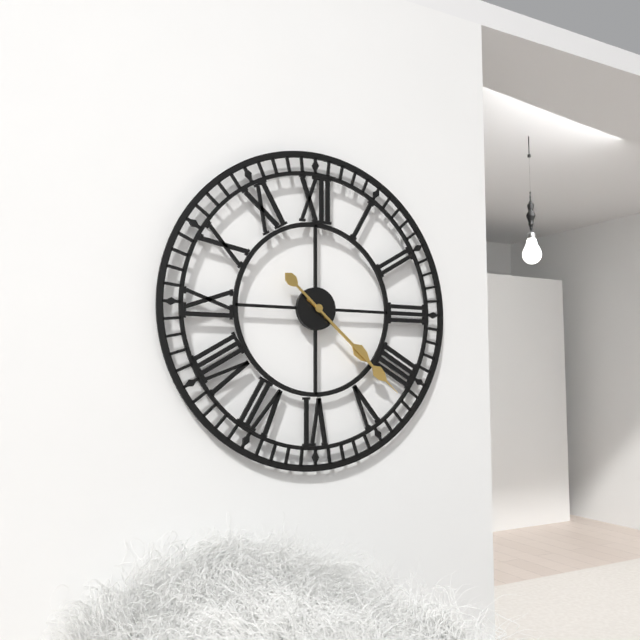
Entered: 4.22
